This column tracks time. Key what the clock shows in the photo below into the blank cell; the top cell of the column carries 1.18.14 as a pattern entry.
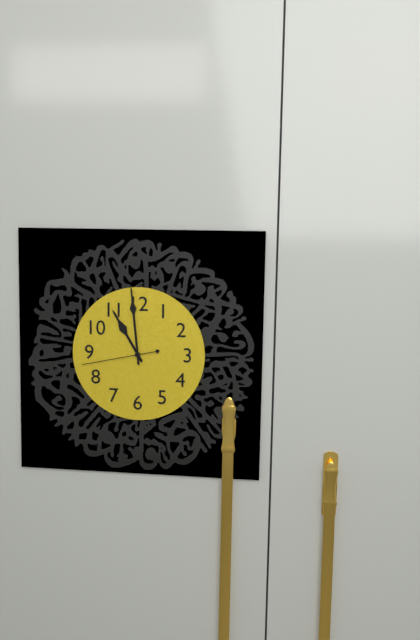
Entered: 10.59.43
